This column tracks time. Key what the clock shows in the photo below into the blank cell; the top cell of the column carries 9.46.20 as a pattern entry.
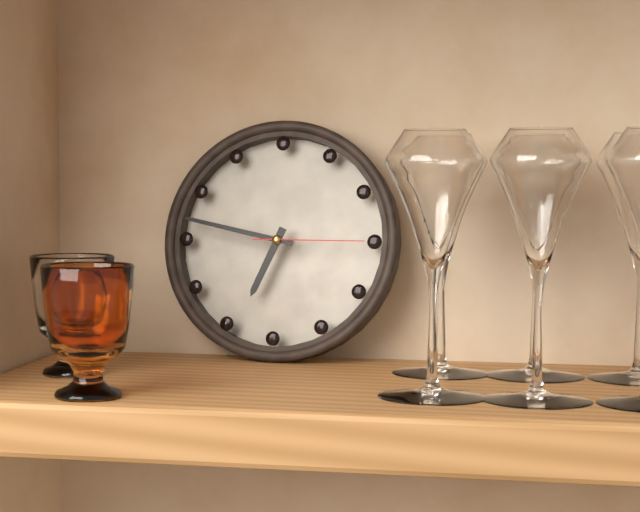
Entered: 6.47.15
